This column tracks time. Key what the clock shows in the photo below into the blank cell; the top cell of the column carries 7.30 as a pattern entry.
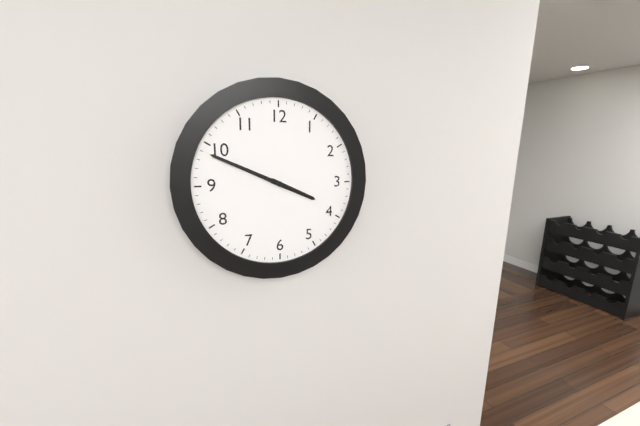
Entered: 3.49
